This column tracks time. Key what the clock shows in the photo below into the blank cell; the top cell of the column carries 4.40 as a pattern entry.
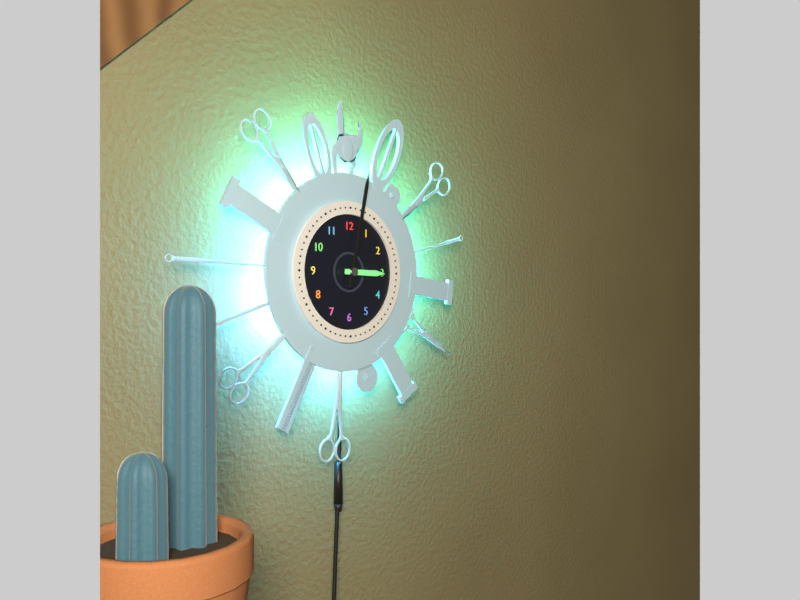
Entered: 3.02
